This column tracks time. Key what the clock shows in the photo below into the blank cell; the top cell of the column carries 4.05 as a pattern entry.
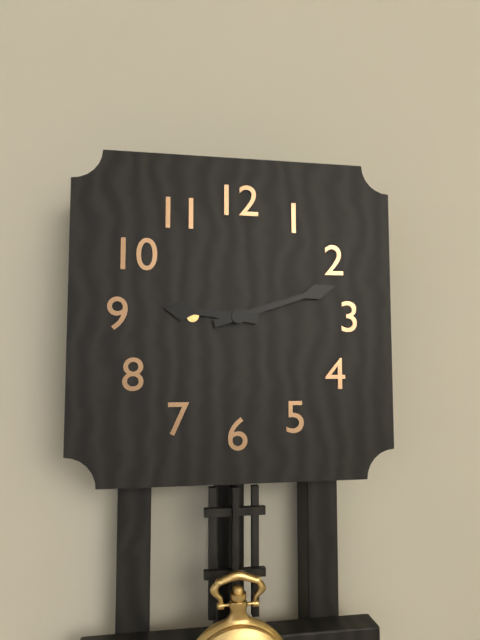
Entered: 9.12
